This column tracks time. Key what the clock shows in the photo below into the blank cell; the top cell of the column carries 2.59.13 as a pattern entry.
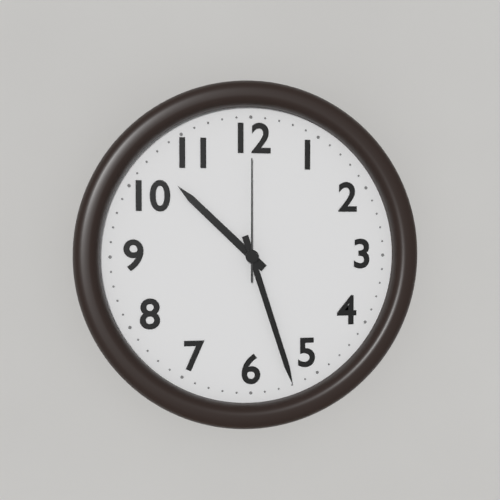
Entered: 10.27.00
